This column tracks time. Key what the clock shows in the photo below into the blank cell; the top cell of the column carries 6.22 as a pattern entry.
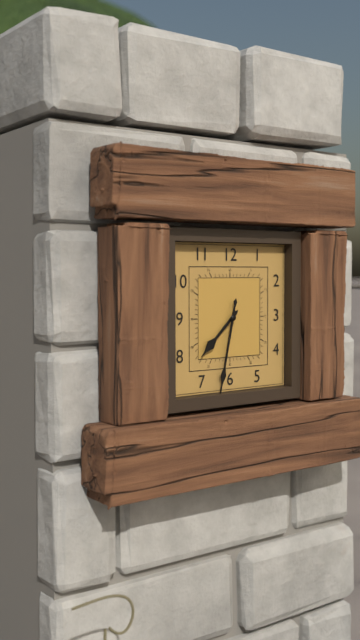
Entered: 7.32
